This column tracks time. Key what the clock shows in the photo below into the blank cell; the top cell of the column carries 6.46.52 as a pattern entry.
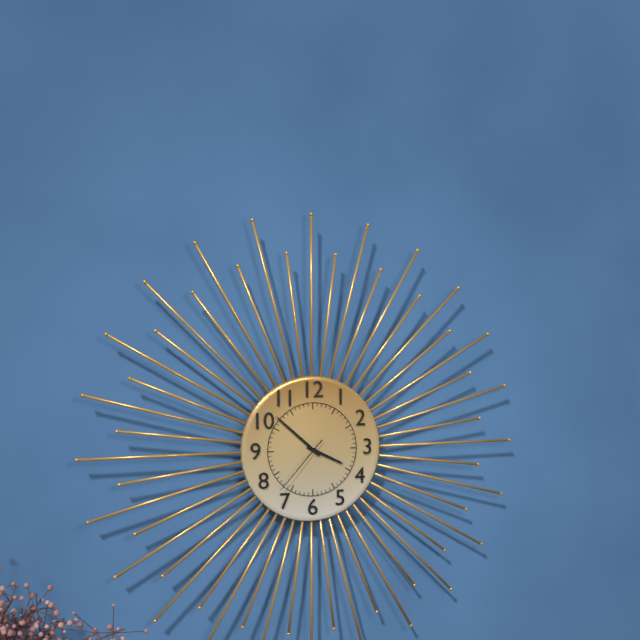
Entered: 3.52.37
